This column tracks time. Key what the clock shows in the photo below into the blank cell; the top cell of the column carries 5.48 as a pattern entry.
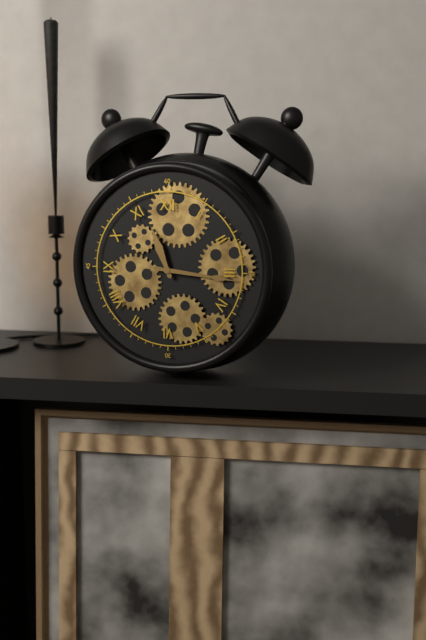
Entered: 11.16
